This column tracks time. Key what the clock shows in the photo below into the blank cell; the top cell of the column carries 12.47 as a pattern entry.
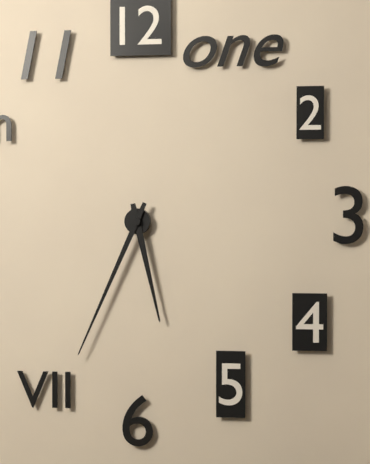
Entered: 5.34
